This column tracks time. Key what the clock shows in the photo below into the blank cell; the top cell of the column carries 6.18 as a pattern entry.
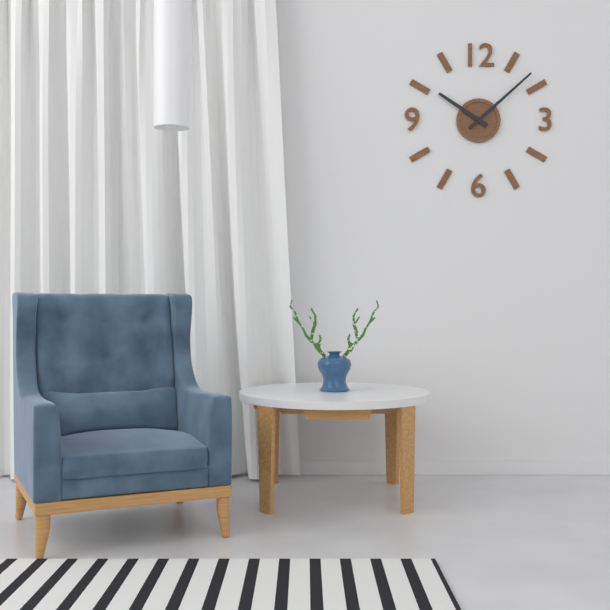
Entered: 10.08
